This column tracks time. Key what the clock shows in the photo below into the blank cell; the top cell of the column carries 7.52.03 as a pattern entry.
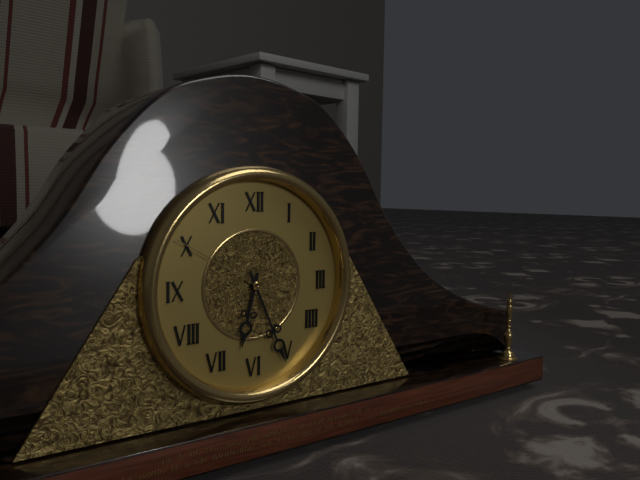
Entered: 6.26.50
